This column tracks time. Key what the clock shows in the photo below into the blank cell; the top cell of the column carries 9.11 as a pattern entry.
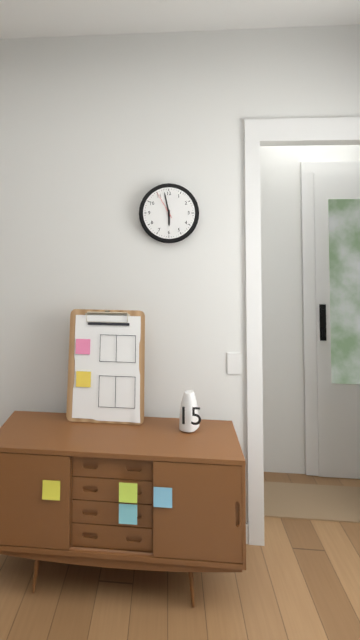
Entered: 5.58
